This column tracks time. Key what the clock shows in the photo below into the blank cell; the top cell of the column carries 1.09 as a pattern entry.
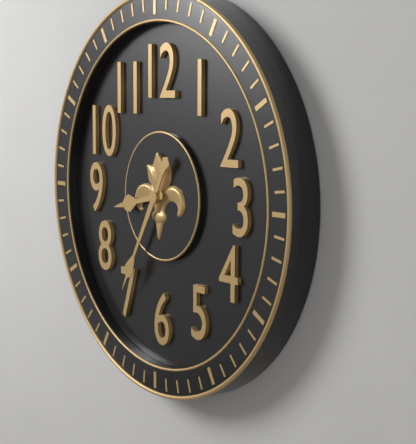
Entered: 8.35
